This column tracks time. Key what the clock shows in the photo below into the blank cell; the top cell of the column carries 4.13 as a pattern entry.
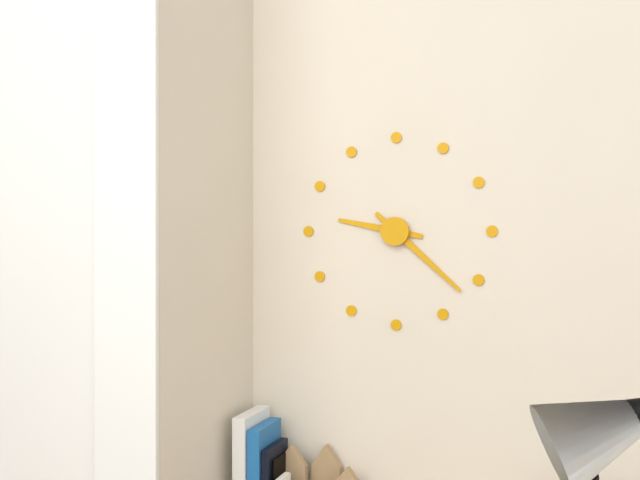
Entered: 9.22
